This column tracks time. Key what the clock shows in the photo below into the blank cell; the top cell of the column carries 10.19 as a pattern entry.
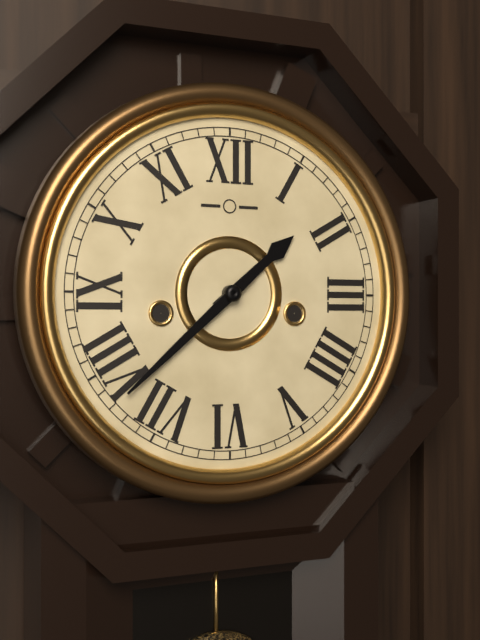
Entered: 1.38
